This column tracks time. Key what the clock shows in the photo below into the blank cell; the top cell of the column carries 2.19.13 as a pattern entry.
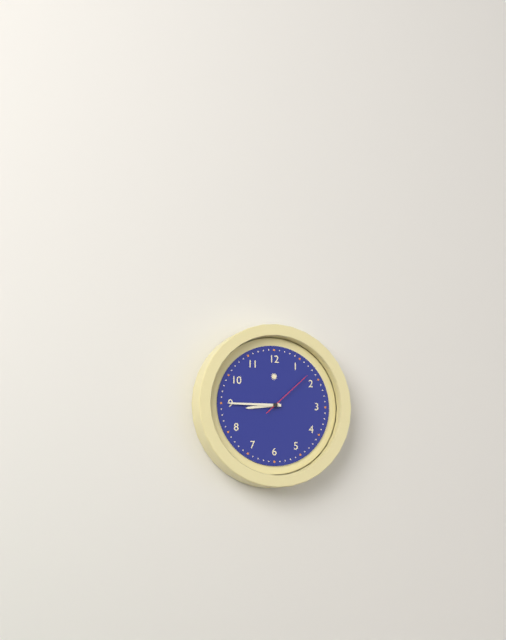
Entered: 8.45.08
